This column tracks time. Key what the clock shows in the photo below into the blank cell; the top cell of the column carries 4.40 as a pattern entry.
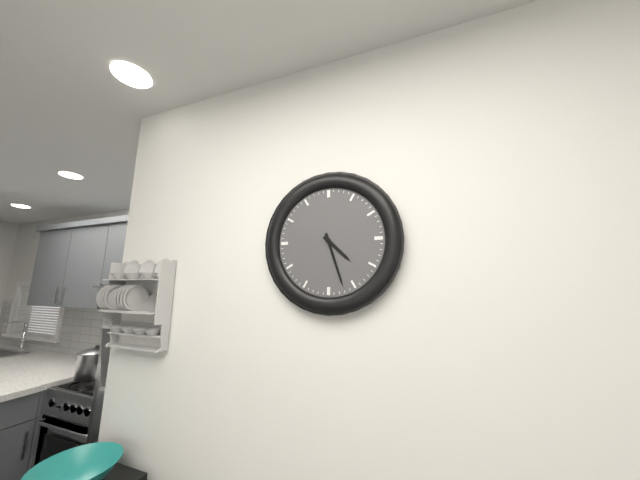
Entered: 4.27
